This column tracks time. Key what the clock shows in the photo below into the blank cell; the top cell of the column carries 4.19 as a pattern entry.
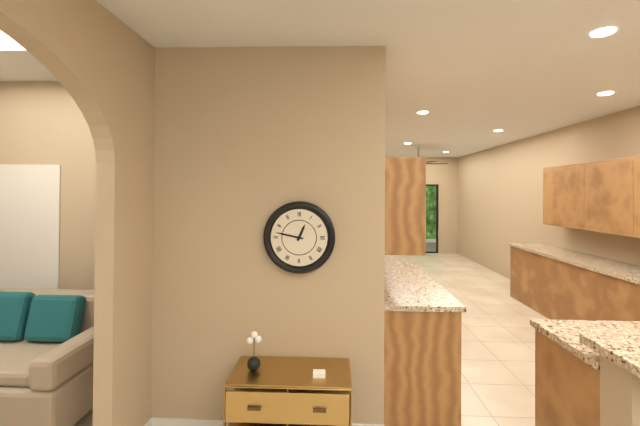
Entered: 12.47
